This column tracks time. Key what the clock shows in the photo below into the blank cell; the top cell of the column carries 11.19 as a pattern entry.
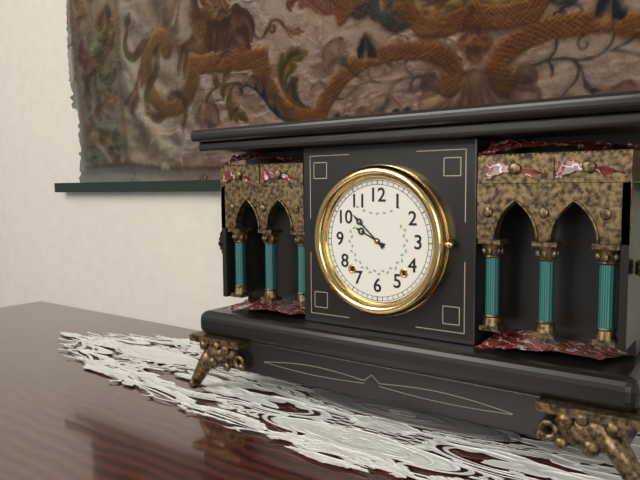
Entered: 9.52
